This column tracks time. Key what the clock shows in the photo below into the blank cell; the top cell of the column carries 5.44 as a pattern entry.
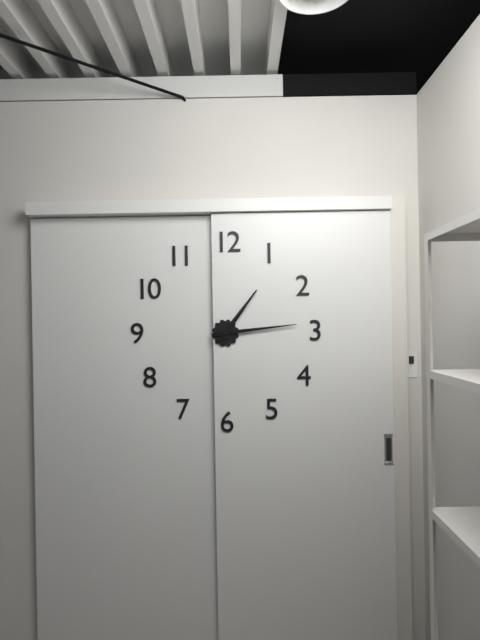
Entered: 1.14
